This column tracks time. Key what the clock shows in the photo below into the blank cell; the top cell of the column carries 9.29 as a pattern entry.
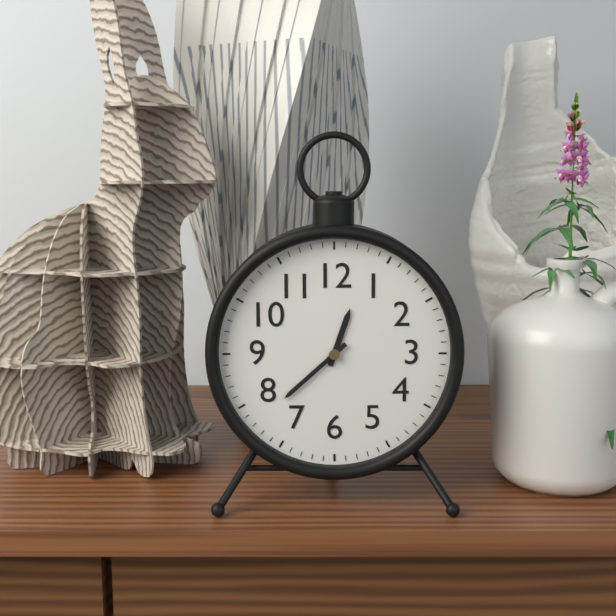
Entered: 12.38
